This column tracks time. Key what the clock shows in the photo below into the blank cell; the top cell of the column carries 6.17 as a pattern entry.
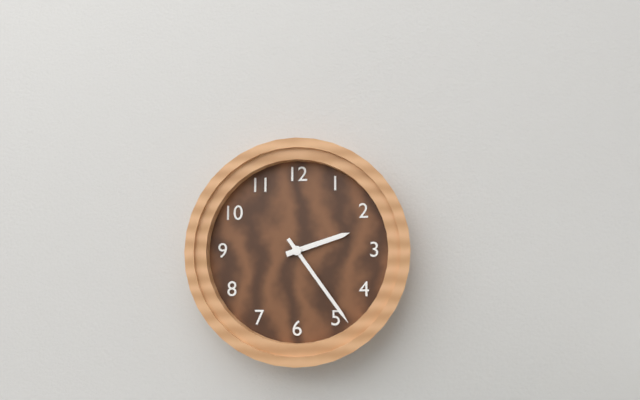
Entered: 2.24
